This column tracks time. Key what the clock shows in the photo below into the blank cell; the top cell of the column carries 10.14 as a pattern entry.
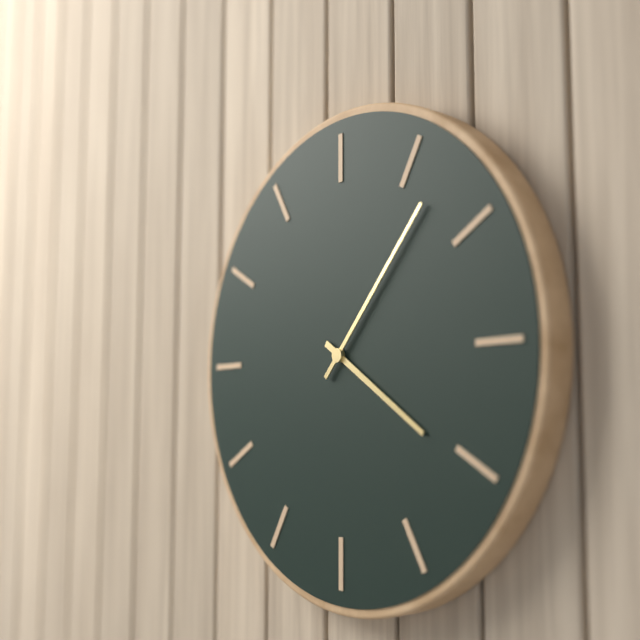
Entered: 4.07
